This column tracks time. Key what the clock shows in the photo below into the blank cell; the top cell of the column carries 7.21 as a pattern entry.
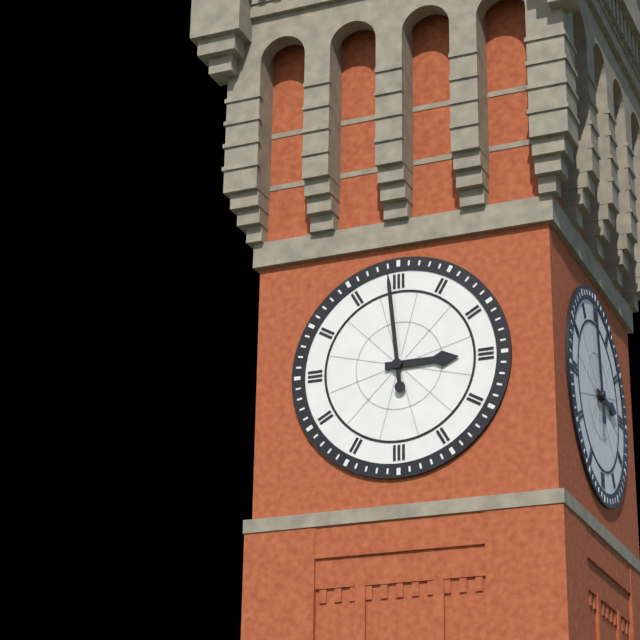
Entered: 2.59
